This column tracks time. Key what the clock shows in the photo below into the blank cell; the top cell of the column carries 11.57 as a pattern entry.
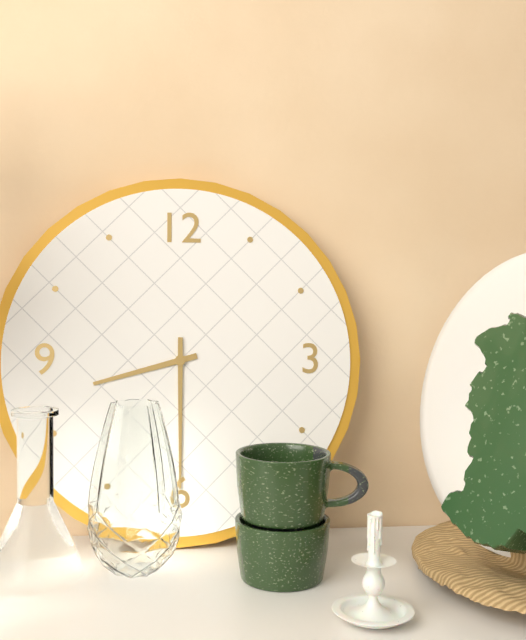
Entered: 8.30
